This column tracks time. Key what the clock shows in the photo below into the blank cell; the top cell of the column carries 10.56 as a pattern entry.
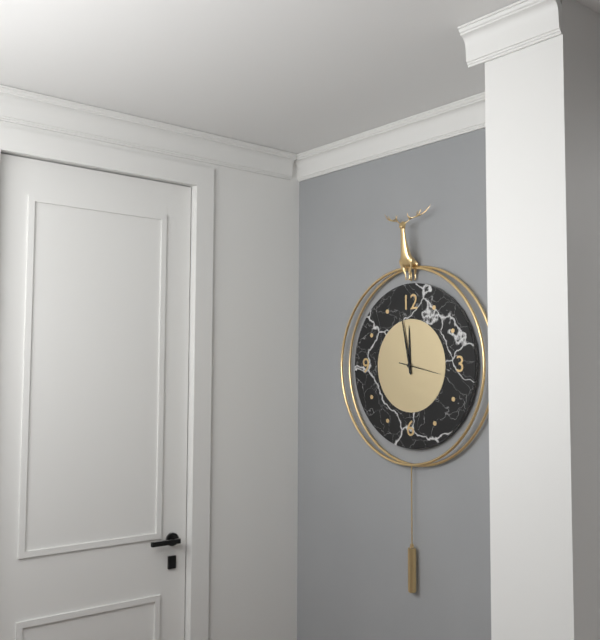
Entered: 11.58
